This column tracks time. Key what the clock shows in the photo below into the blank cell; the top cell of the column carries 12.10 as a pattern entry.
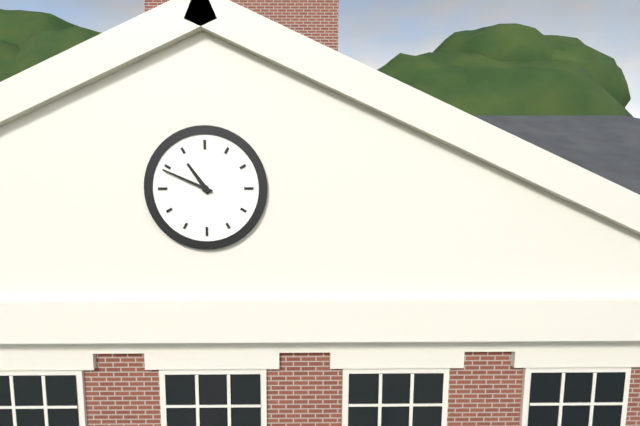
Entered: 10.49
